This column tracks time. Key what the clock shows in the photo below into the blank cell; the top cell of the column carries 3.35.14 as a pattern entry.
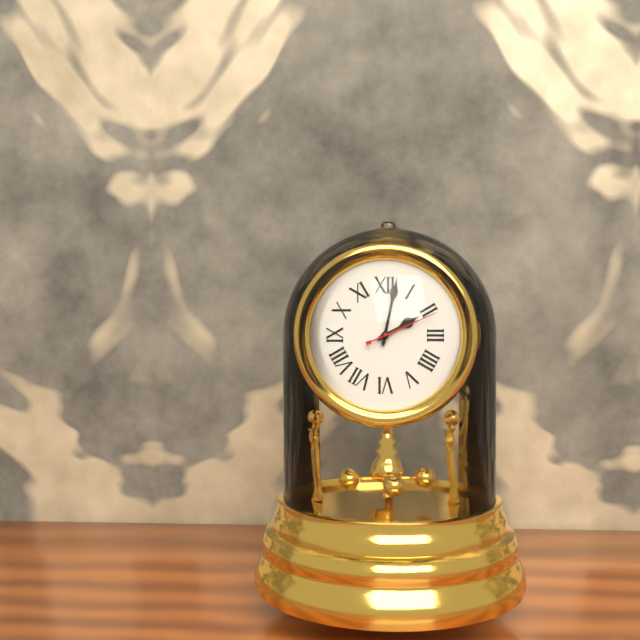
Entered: 2.02.11
